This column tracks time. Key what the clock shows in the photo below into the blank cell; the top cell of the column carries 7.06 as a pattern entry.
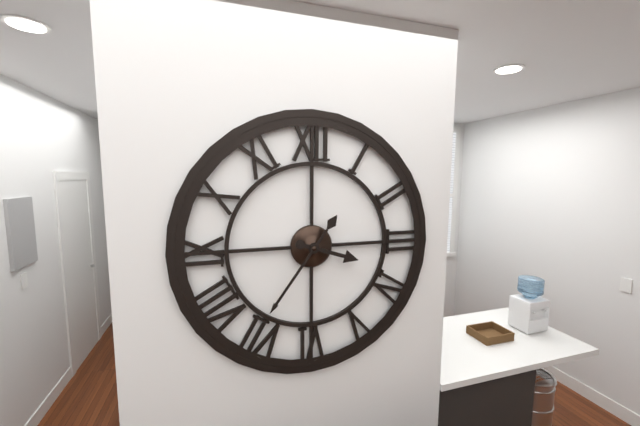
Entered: 3.36
